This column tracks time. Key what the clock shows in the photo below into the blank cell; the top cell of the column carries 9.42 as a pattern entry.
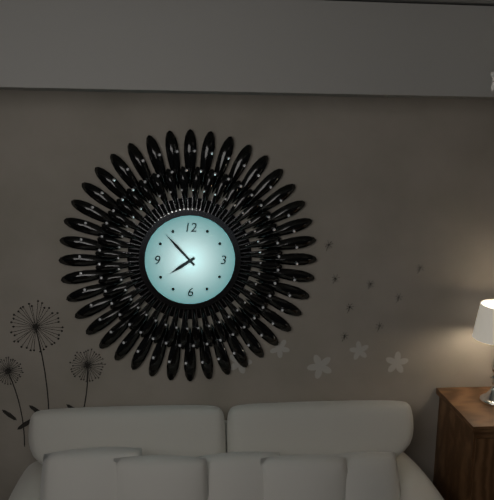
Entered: 7.53
